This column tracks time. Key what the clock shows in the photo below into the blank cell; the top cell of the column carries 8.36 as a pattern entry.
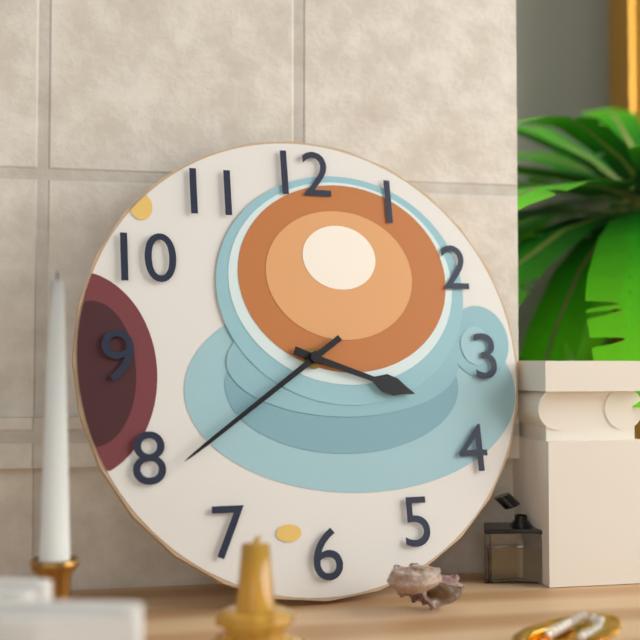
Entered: 3.39
